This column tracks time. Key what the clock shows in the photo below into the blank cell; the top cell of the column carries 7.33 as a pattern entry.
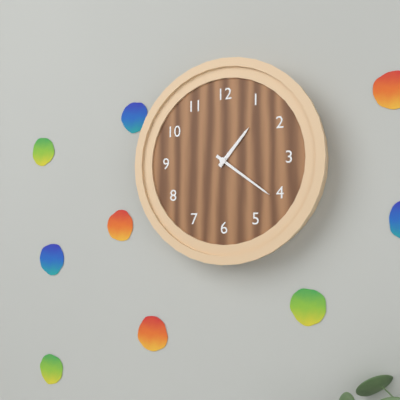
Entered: 1.21
